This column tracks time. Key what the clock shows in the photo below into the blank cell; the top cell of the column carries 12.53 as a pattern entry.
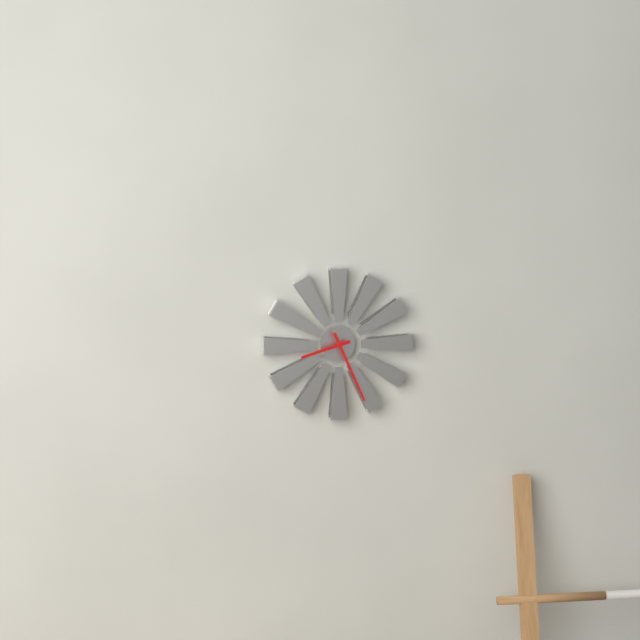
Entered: 8.26
